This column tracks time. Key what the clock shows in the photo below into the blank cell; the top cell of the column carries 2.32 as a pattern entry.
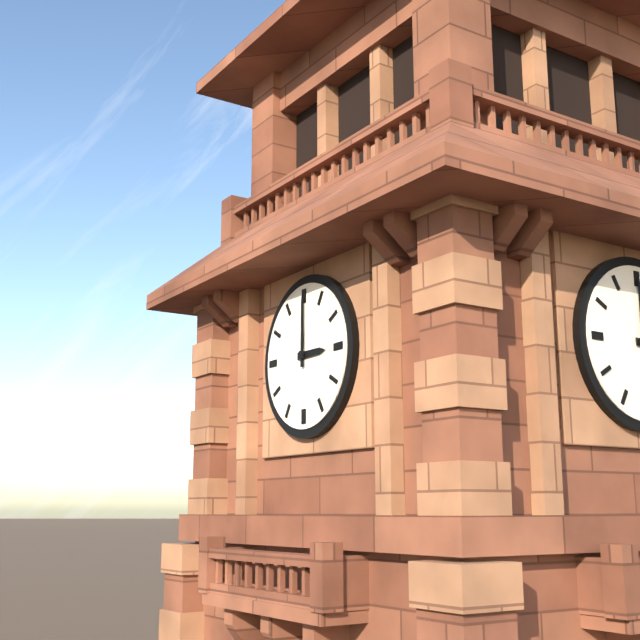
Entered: 3.00
